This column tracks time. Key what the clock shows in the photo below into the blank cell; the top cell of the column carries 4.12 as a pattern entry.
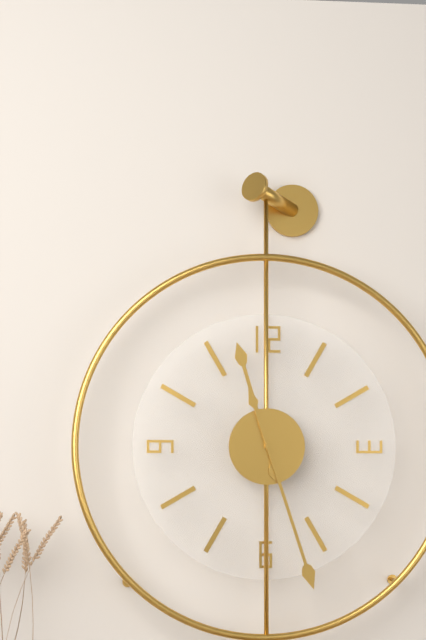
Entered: 11.27
